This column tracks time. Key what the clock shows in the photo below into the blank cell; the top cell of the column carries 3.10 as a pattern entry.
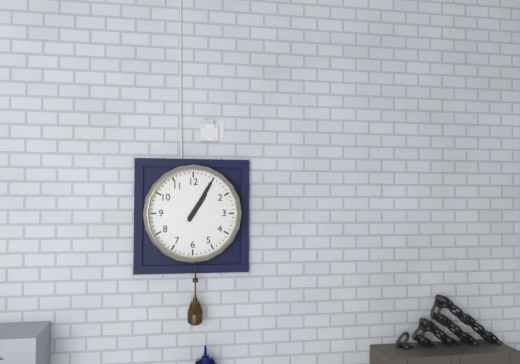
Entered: 1.05
